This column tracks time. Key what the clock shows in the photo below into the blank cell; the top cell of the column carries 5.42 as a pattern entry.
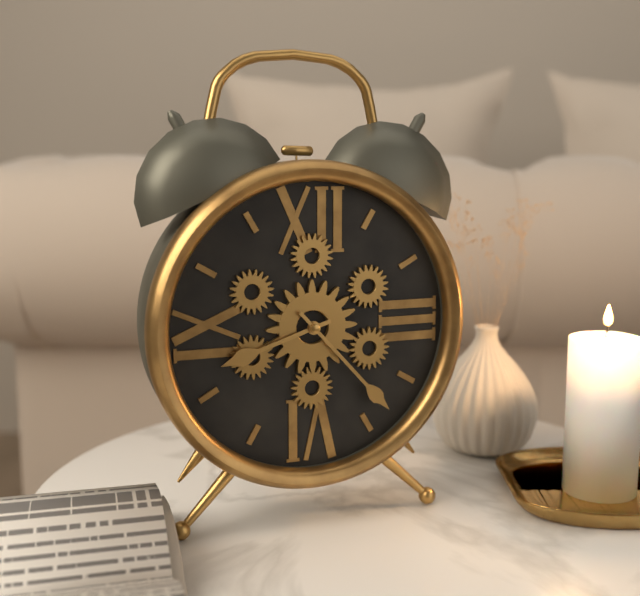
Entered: 8.23
